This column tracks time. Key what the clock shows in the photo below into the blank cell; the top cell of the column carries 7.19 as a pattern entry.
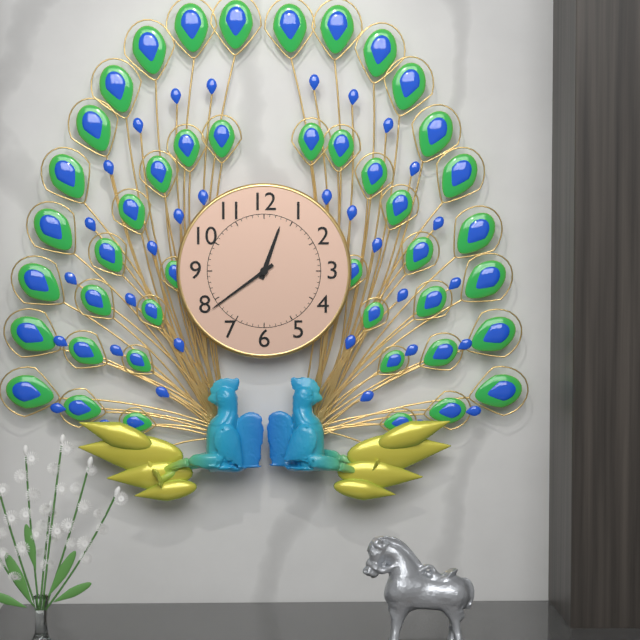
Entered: 12.39
